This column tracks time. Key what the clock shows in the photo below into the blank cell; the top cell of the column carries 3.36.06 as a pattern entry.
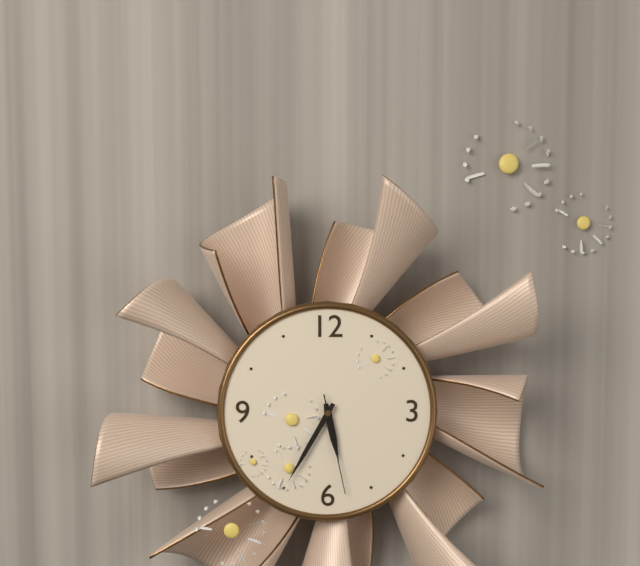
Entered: 5.35.28
